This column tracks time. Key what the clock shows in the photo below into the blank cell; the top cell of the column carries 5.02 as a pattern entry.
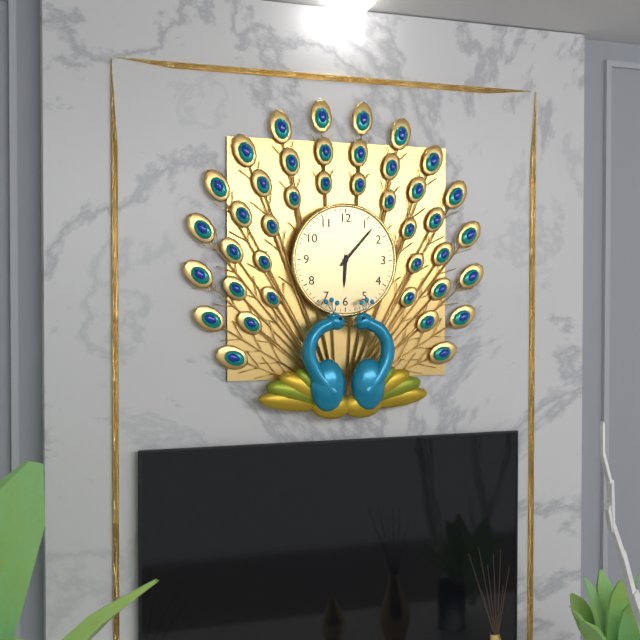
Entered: 6.07
